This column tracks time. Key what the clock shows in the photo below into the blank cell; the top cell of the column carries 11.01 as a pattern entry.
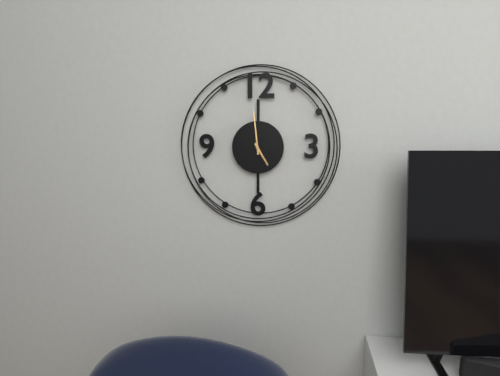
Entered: 4.59
